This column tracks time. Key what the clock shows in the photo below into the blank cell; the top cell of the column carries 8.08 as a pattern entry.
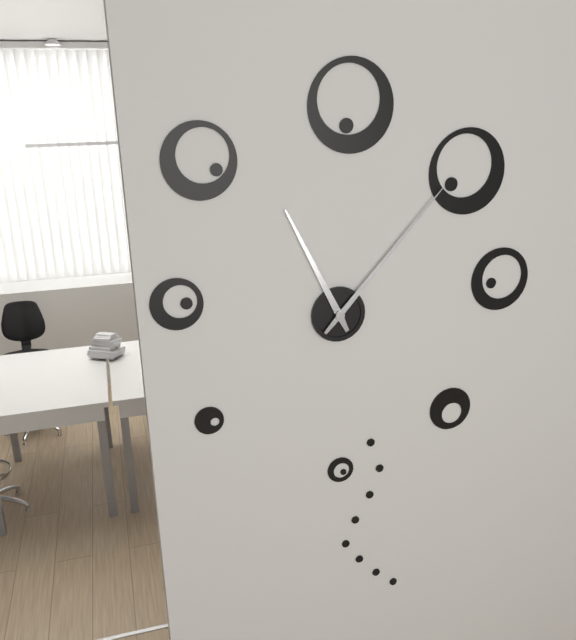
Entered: 11.07
